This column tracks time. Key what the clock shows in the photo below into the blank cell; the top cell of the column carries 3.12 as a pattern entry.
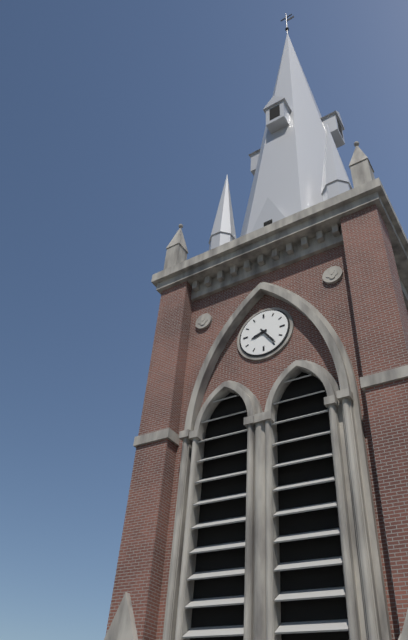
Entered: 8.24
